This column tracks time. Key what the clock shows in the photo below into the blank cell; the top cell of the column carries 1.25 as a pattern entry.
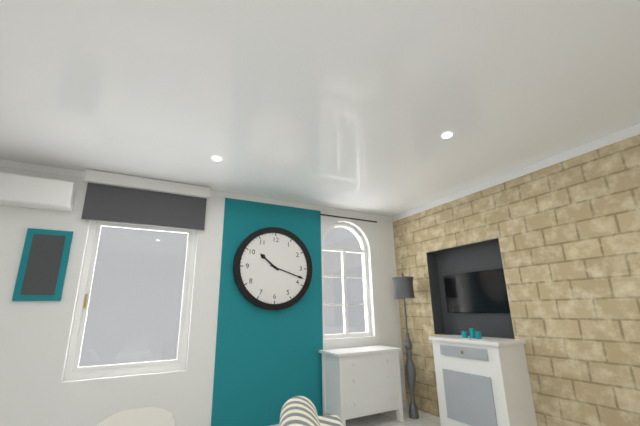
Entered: 10.18
